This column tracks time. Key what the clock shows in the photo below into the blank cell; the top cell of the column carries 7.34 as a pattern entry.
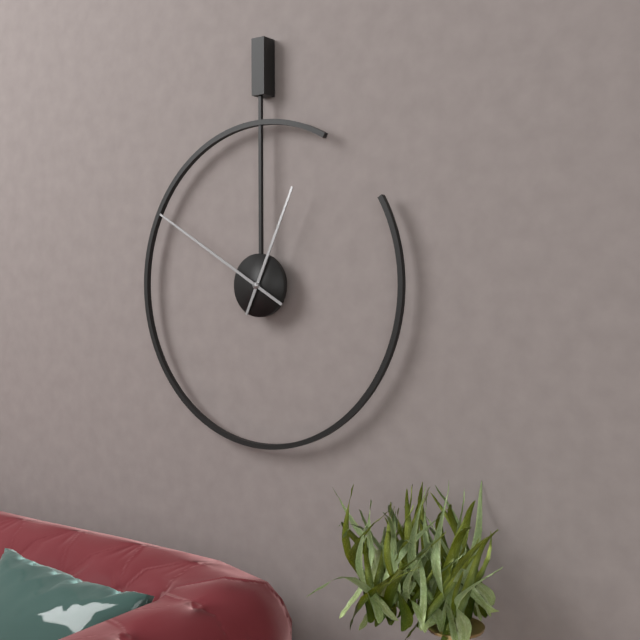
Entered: 12.50
